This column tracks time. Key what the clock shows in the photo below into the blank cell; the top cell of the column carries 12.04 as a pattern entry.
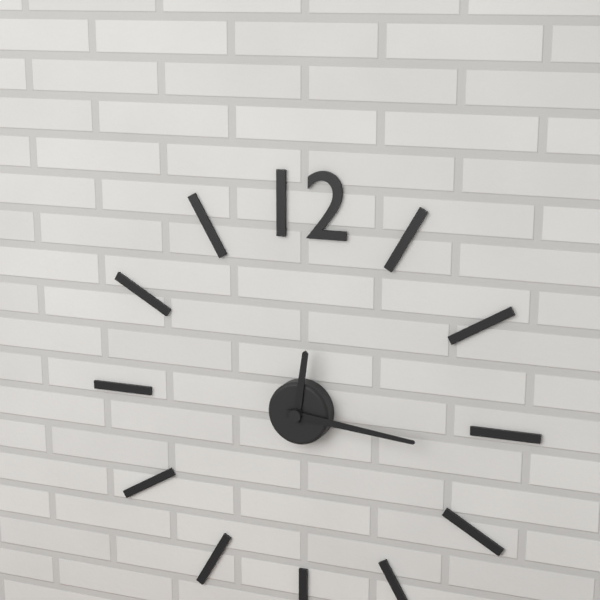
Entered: 12.16
